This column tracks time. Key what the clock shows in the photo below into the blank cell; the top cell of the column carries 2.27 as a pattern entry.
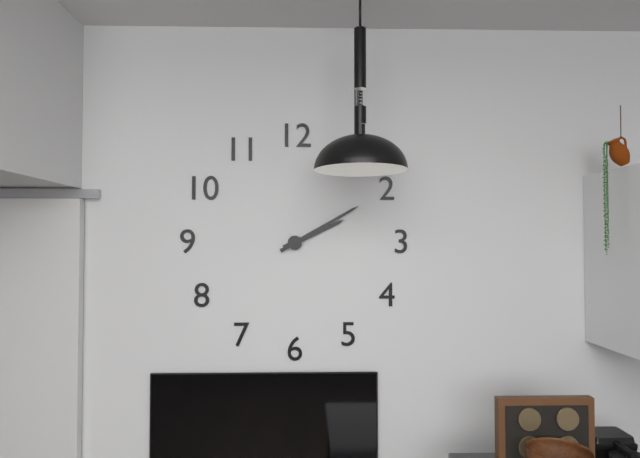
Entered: 2.10
